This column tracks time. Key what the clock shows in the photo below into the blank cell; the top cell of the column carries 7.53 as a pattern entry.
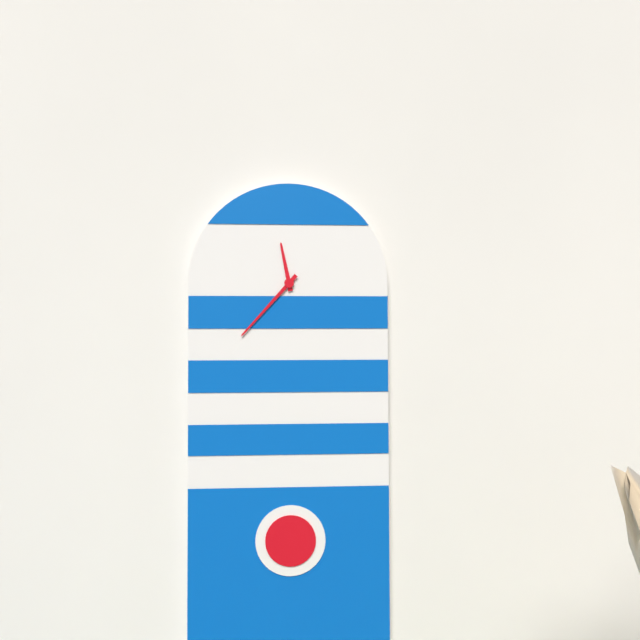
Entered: 11.37
